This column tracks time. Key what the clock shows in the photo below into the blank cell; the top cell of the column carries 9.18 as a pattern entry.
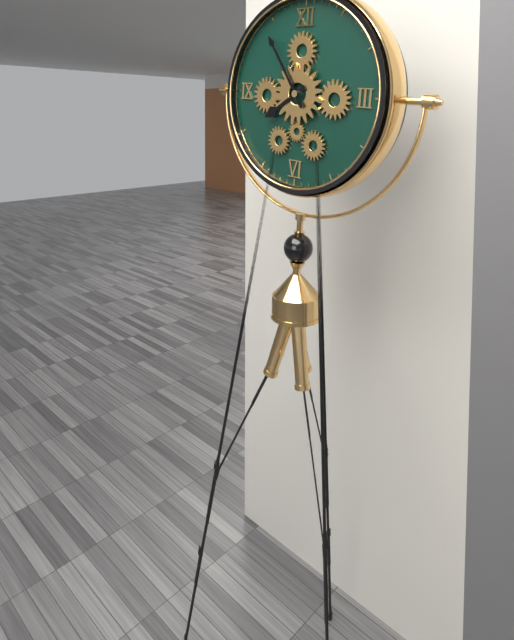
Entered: 7.54
